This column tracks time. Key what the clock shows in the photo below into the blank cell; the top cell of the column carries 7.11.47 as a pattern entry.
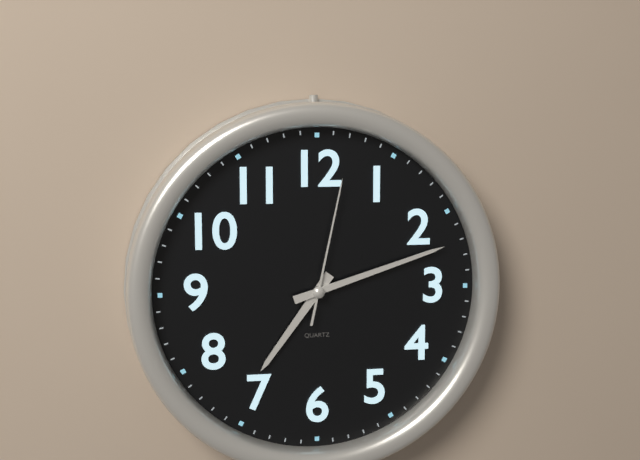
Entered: 7.12.02
